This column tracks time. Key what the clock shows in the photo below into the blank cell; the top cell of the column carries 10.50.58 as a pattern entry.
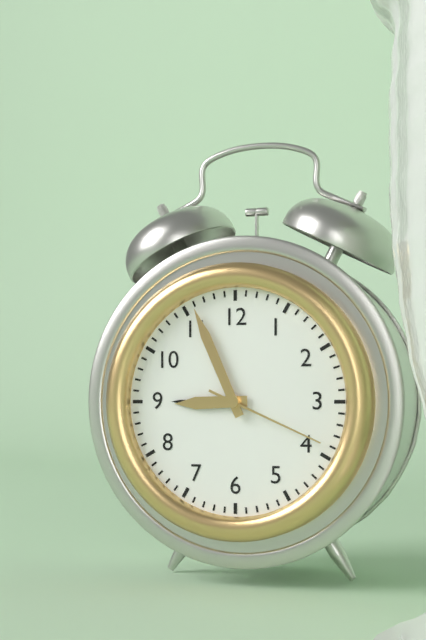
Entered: 8.56.19
